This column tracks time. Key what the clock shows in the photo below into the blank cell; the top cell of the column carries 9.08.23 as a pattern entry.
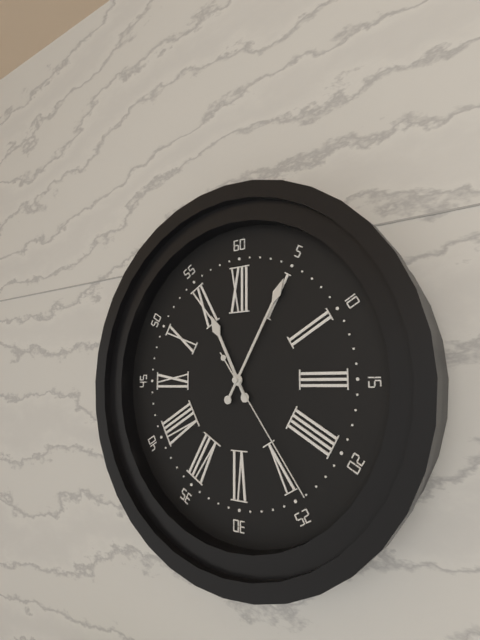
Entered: 11.05.24
